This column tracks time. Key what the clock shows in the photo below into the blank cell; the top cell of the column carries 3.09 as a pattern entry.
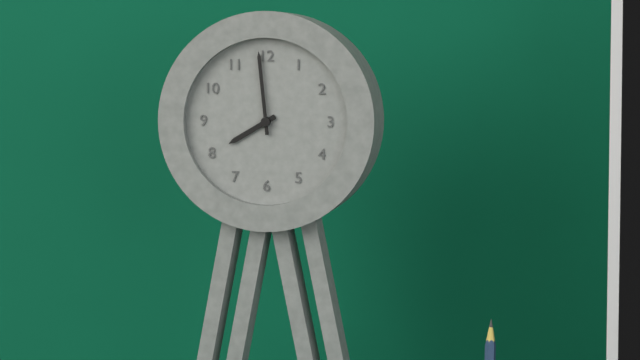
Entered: 7.59
